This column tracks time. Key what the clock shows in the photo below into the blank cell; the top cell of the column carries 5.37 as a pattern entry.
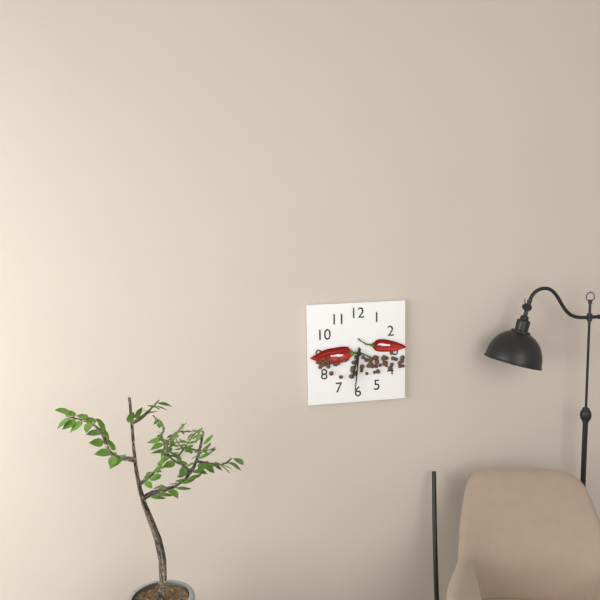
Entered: 6.31
